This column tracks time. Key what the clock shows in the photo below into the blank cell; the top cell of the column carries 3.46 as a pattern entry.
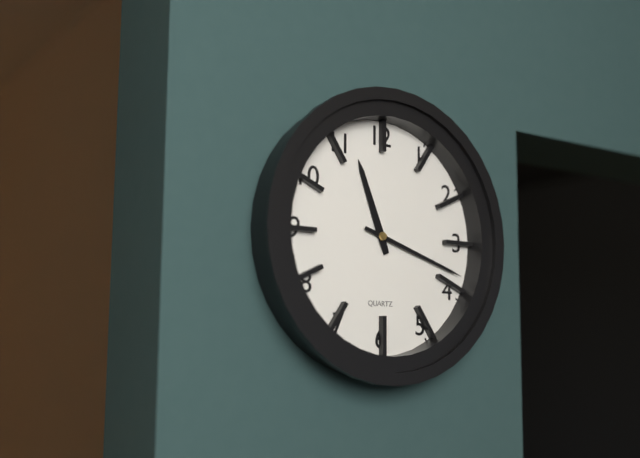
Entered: 11.18
